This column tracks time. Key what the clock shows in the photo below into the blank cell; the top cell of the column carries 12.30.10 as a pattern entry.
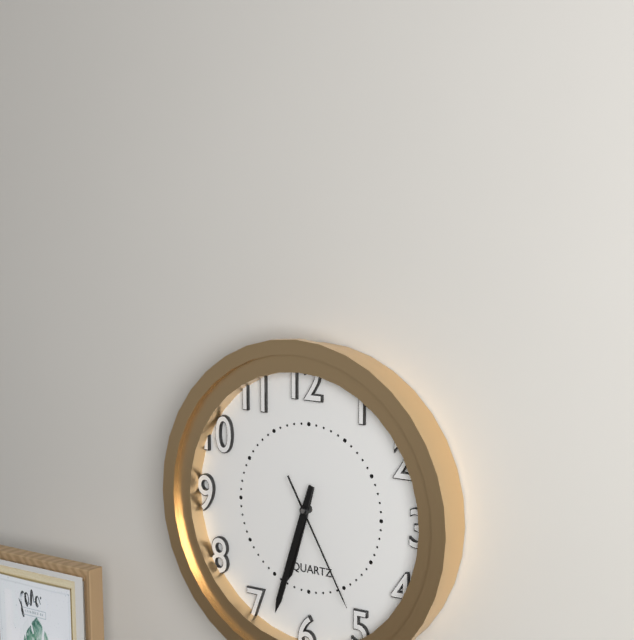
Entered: 6.33.25
